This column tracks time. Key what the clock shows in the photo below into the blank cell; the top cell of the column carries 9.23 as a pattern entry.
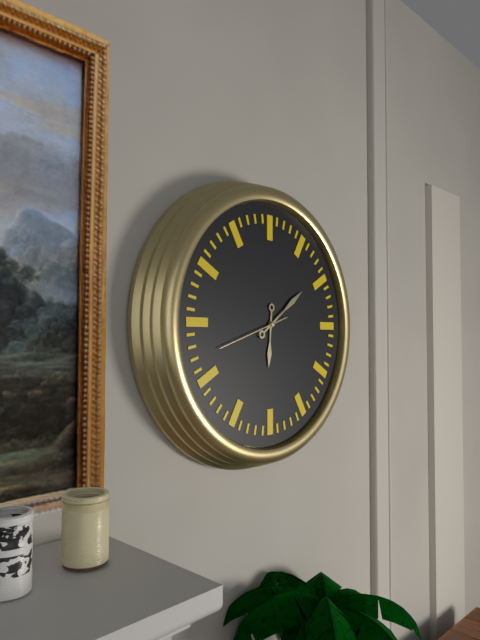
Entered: 6.09
